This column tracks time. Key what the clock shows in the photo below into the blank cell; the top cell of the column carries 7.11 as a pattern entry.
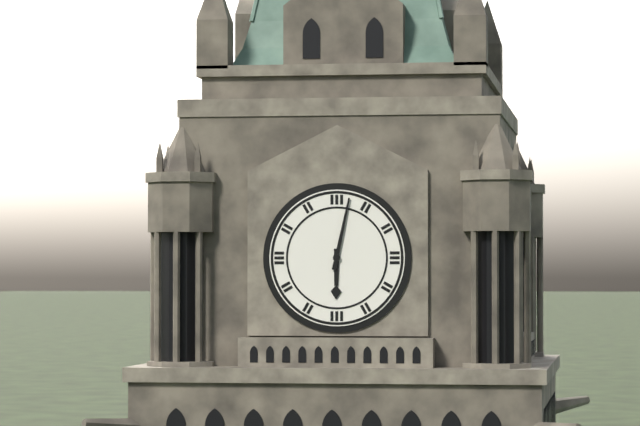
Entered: 6.02
